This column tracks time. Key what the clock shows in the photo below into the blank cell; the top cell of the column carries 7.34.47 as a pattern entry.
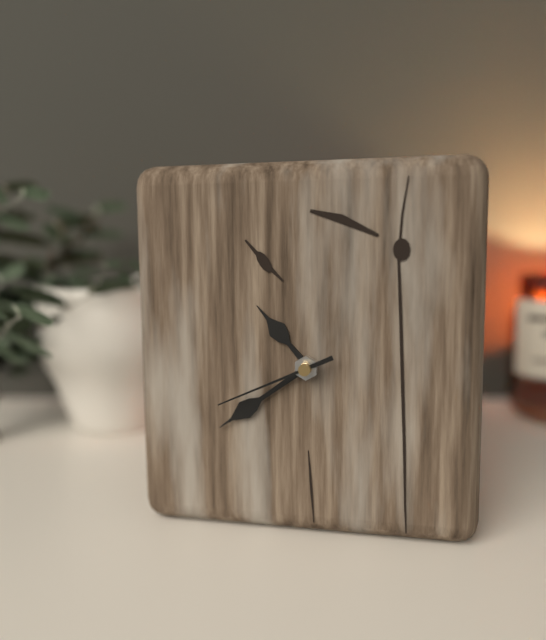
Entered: 10.39.41
